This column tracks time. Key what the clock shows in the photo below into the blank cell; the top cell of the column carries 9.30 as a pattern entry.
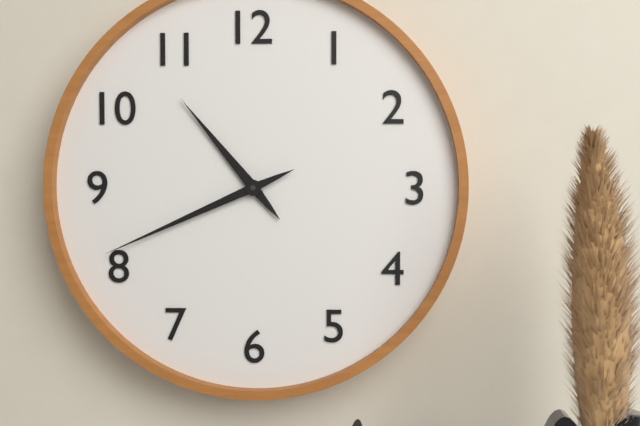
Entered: 10.41
